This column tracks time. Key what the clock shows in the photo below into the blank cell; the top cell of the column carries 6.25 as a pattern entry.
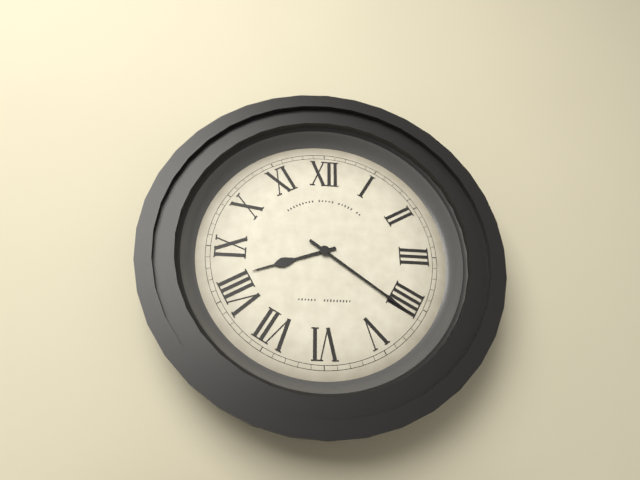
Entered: 8.21
